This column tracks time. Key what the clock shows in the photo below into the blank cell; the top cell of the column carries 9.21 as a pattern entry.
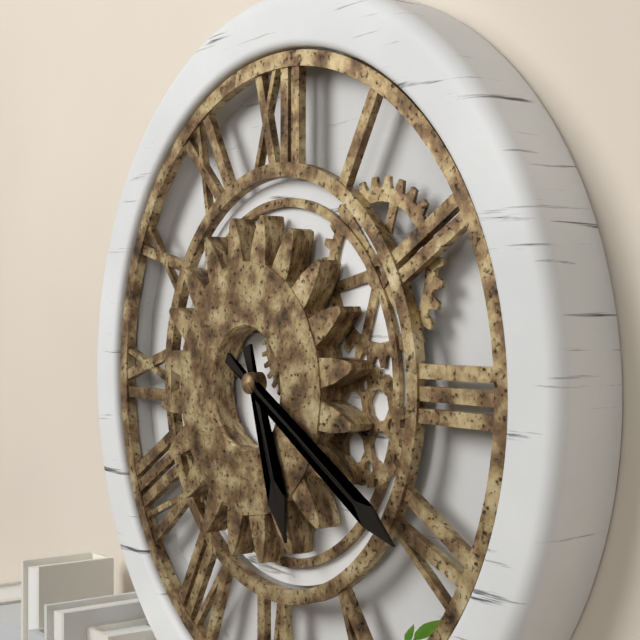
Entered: 5.20
